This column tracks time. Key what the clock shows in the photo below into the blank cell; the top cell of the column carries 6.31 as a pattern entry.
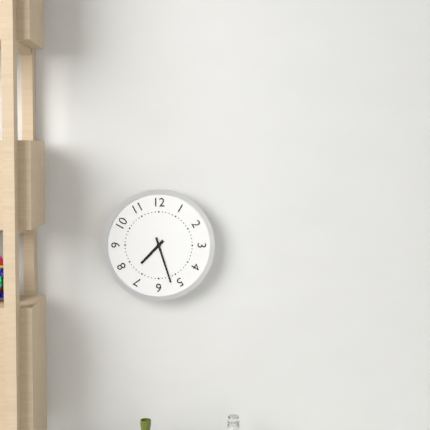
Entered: 7.27
